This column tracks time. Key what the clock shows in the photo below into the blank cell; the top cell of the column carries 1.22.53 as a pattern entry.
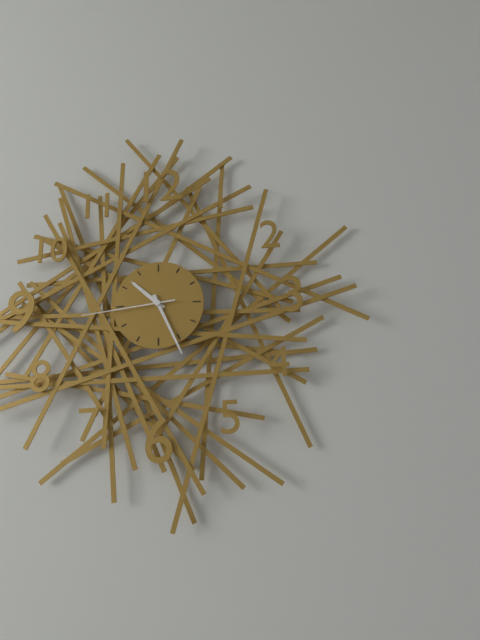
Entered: 10.26.44
